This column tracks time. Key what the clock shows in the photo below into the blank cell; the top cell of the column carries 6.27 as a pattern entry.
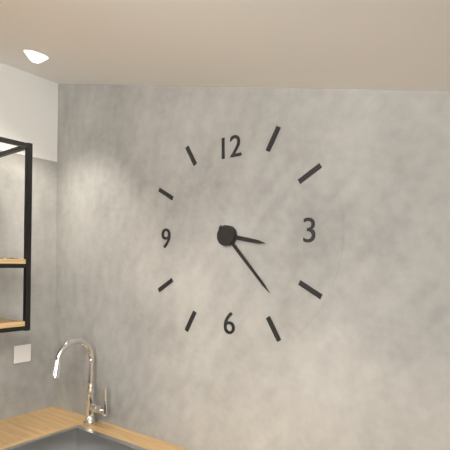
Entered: 3.23
